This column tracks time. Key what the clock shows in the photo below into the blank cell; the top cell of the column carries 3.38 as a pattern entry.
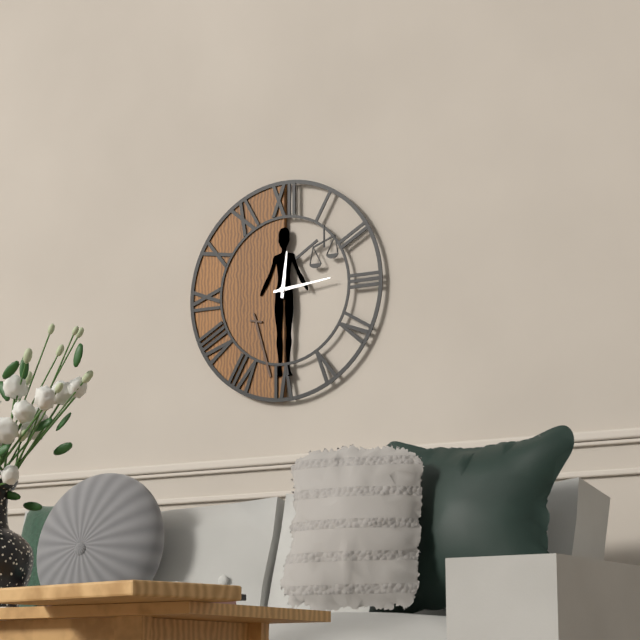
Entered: 12.14
